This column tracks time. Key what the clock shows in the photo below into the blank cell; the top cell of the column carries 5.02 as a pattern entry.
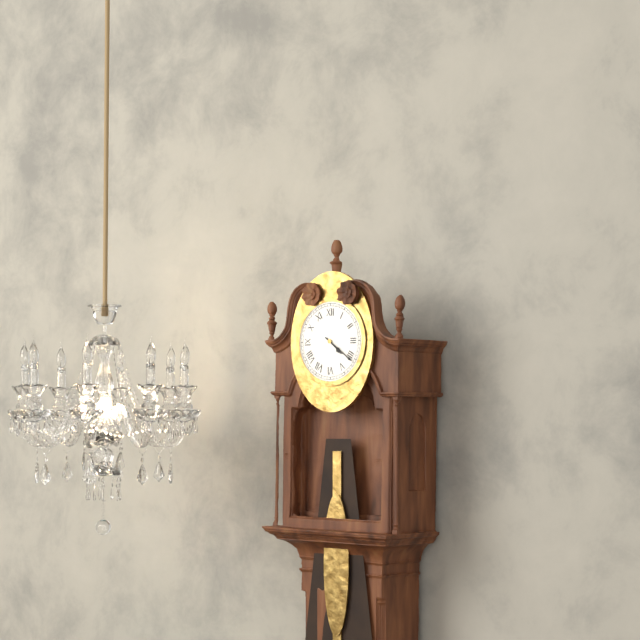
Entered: 4.21
